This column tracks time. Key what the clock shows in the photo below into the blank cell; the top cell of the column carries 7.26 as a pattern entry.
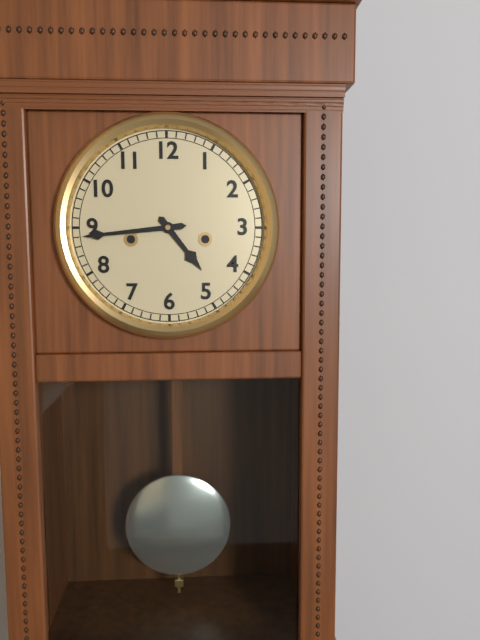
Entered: 4.44
